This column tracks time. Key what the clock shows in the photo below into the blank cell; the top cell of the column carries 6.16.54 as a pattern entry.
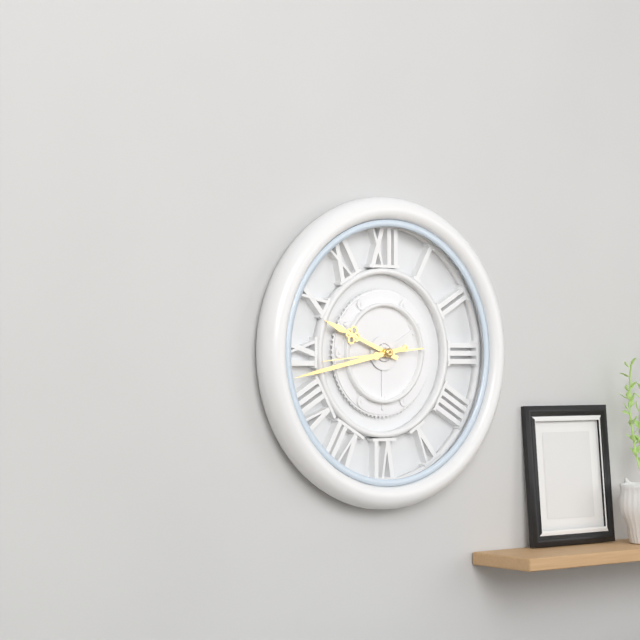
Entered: 9.43.44
